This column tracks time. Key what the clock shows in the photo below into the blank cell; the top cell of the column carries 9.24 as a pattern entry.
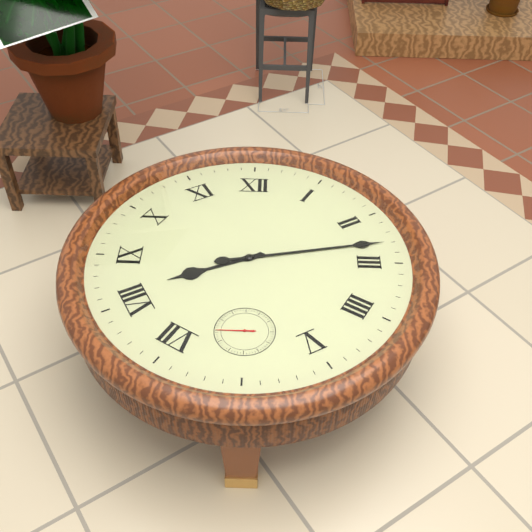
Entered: 8.13
